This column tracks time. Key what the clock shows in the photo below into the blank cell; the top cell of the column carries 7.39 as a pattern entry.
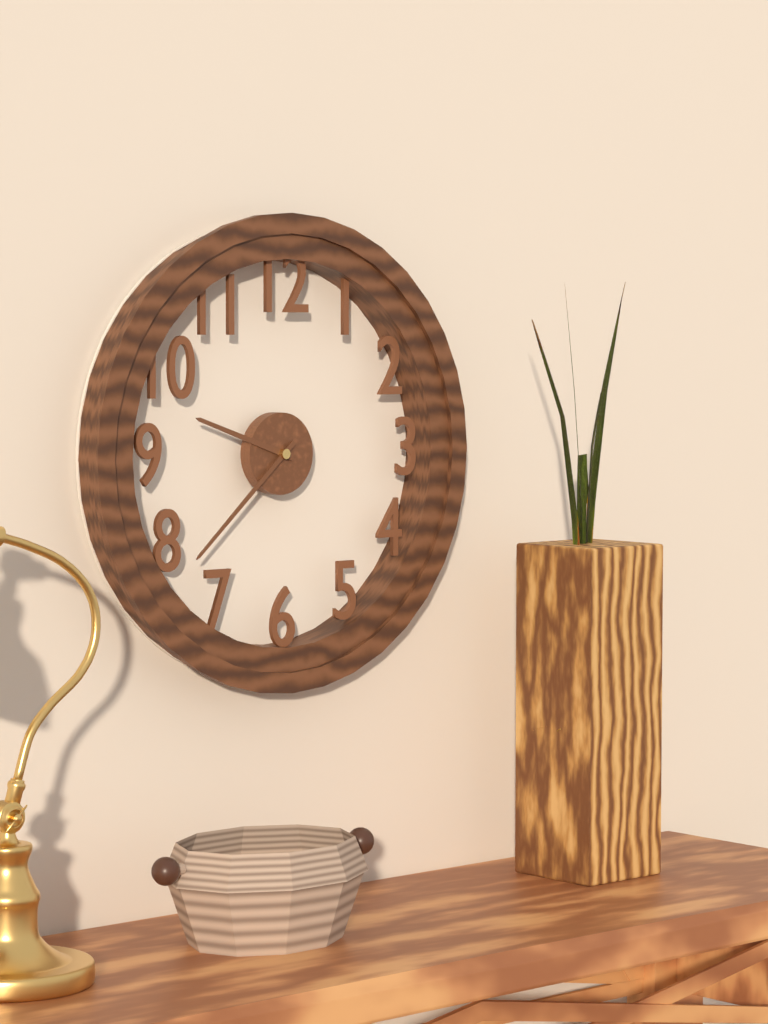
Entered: 9.38
